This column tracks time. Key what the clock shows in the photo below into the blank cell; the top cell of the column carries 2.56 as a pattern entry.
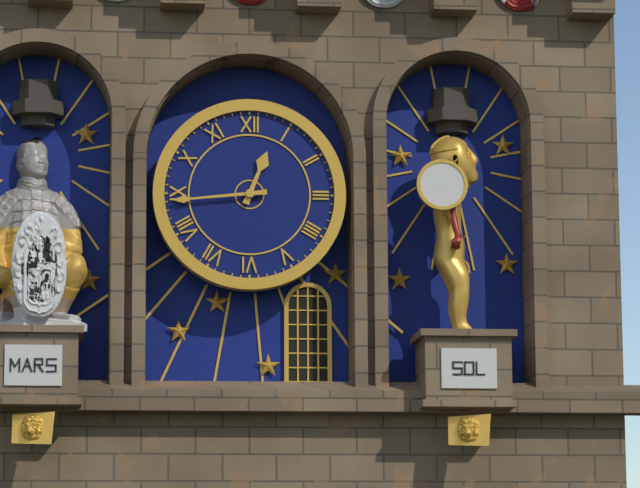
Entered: 12.44
